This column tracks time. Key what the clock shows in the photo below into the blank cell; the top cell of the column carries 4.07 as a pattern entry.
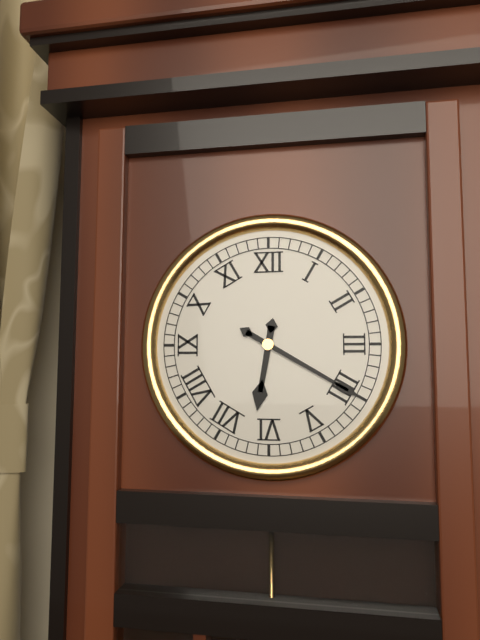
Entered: 6.20
